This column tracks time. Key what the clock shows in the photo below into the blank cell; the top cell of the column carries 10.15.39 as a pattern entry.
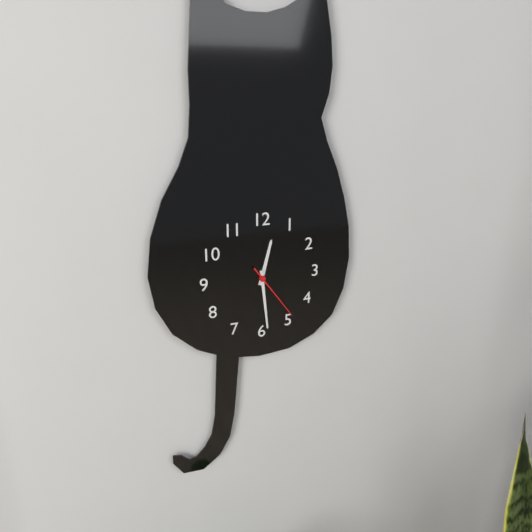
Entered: 12.29.24
